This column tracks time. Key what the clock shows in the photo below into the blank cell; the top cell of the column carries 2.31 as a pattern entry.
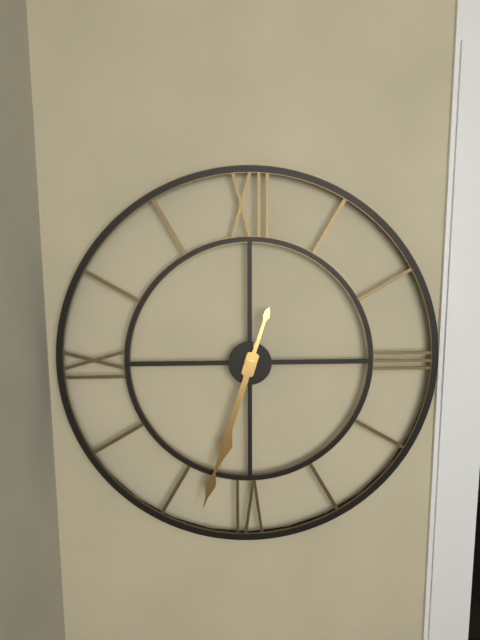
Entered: 6.33
